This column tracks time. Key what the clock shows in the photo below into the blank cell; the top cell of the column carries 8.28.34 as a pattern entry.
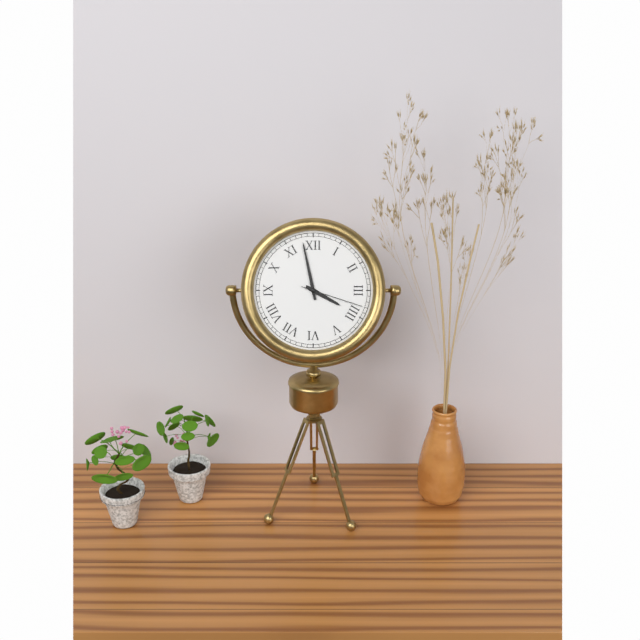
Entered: 3.58.18
